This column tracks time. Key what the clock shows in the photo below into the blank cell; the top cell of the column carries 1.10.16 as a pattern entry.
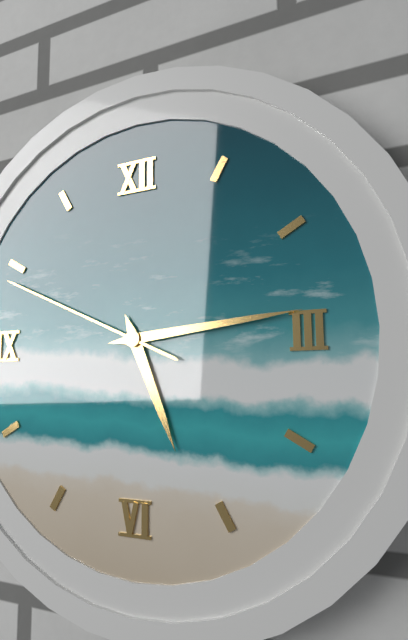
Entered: 5.14.49
